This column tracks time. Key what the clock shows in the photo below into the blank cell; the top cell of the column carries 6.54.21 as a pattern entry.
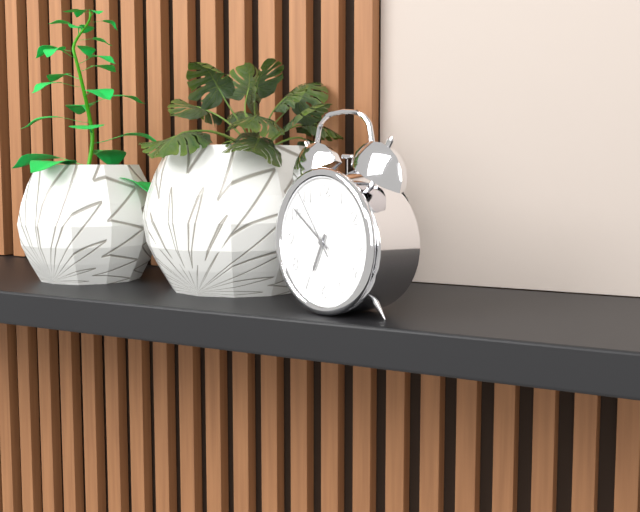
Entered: 6.51.54
